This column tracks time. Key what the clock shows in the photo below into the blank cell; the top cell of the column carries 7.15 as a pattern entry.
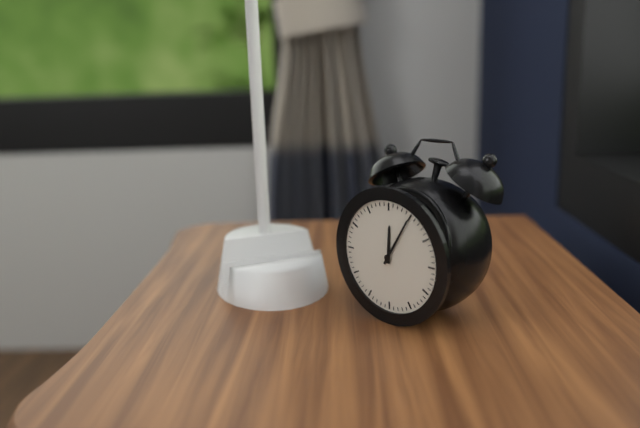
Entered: 12.05
